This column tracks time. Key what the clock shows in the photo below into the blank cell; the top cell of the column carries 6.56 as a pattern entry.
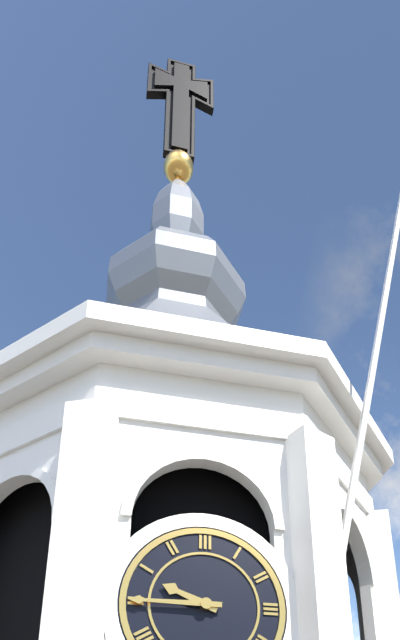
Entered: 9.45
